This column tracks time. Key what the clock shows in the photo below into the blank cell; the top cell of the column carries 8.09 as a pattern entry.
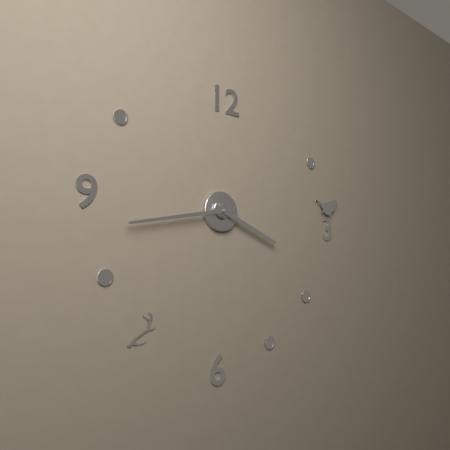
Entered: 3.43
